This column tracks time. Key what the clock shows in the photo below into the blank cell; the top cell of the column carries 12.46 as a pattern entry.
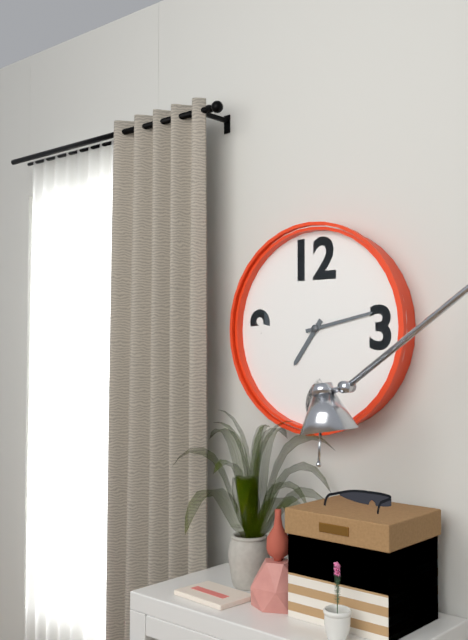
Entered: 7.13
